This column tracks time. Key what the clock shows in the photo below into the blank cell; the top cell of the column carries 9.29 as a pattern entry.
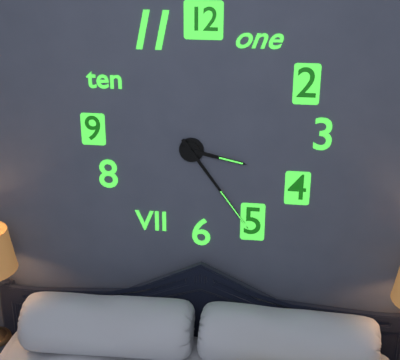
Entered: 3.24
